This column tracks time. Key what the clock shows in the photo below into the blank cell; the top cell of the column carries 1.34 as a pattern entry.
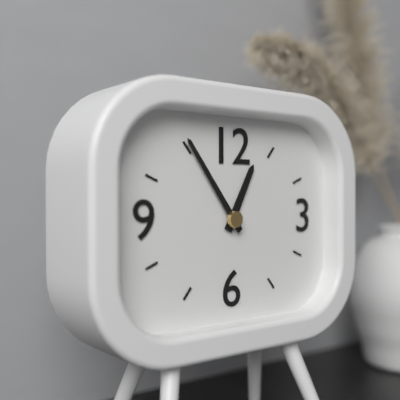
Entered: 12.54
